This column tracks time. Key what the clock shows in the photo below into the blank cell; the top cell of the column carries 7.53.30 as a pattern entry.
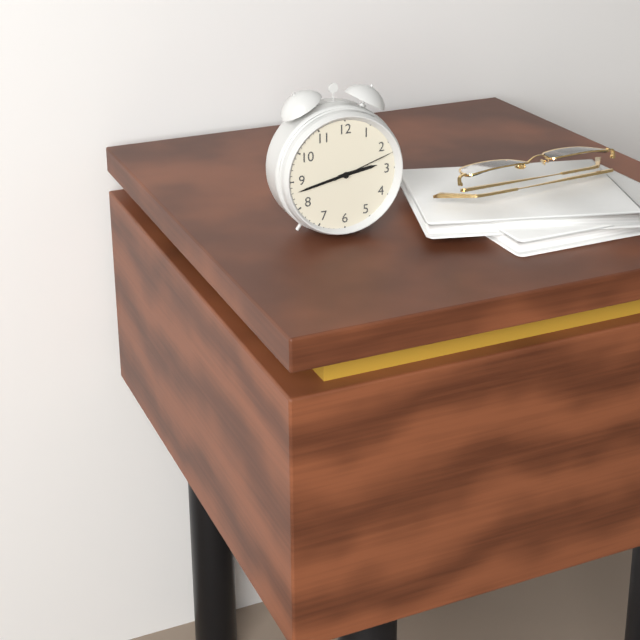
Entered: 2.43.12
